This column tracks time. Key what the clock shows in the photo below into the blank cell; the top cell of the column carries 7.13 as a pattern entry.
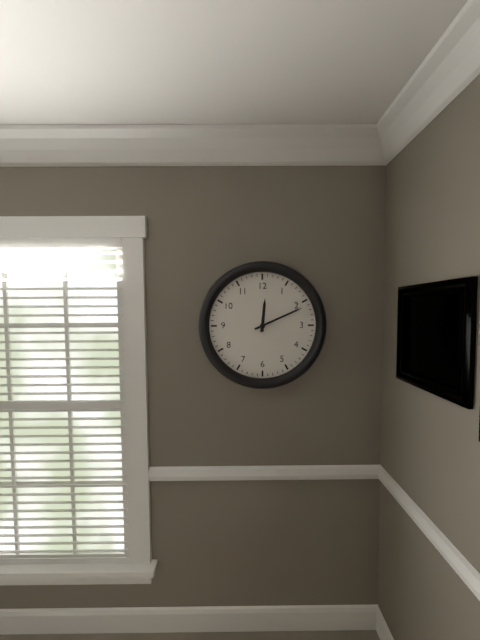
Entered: 12.11
